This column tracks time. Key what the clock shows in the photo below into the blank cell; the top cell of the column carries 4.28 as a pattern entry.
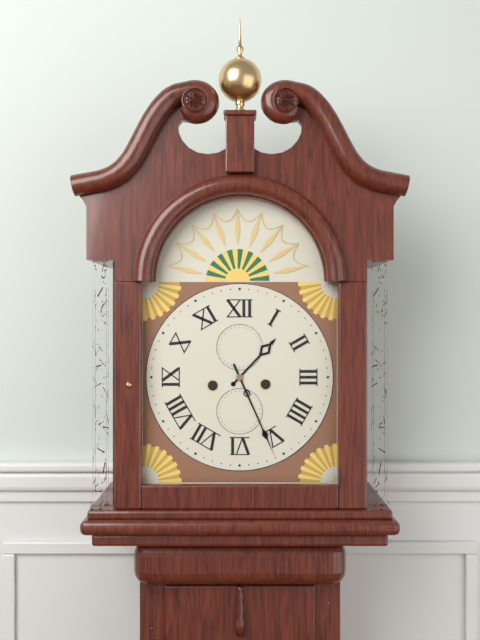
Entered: 1.26
